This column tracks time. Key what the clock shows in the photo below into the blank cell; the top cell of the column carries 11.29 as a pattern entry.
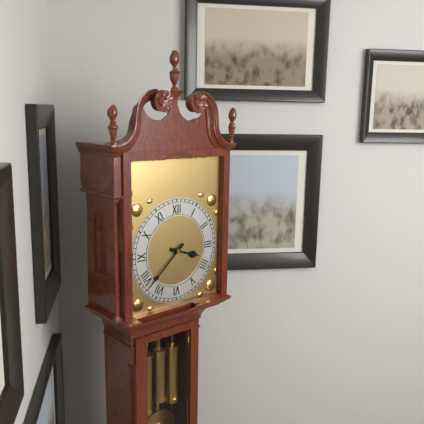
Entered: 3.38
